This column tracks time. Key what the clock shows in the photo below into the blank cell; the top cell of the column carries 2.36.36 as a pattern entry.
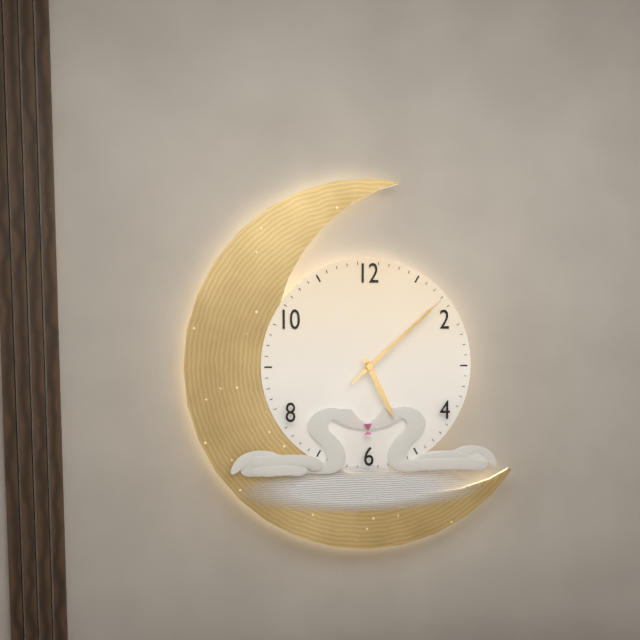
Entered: 5.08.08
